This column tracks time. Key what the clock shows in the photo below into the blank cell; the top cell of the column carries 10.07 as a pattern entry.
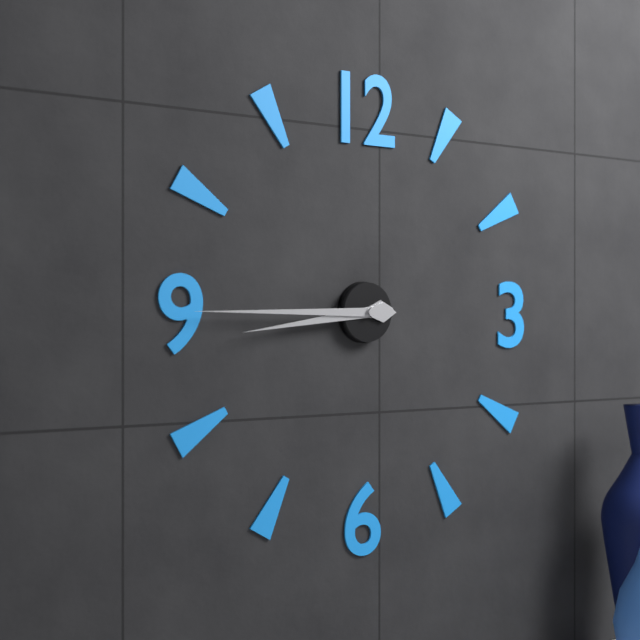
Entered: 8.45
